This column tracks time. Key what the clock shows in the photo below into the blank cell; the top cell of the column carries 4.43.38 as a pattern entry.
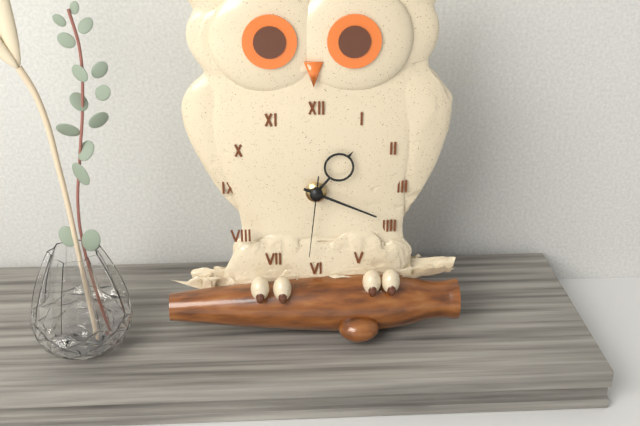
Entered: 1.19.31
